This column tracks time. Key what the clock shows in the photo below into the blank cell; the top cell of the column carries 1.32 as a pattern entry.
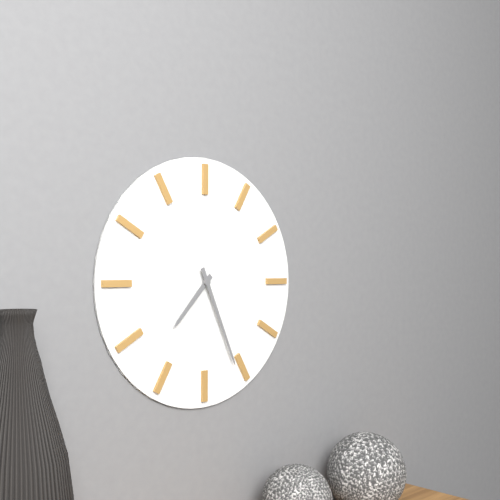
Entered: 7.26
